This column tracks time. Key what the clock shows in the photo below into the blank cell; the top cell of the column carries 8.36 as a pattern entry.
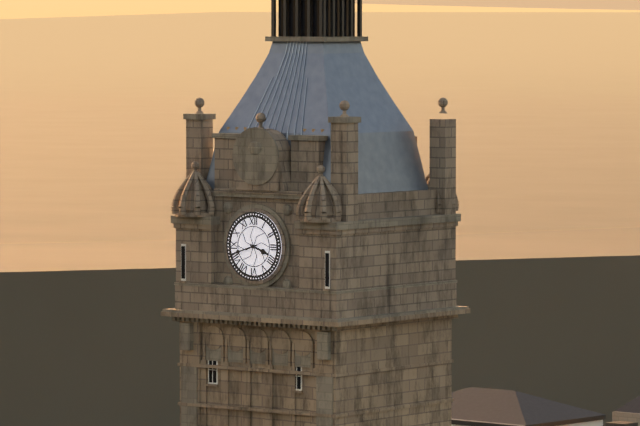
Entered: 3.42
